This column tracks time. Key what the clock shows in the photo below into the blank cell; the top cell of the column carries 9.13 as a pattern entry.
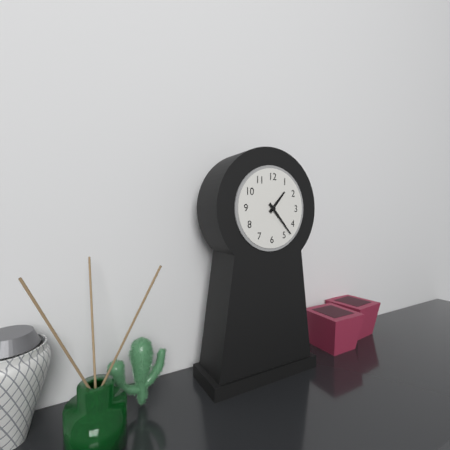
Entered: 1.23
